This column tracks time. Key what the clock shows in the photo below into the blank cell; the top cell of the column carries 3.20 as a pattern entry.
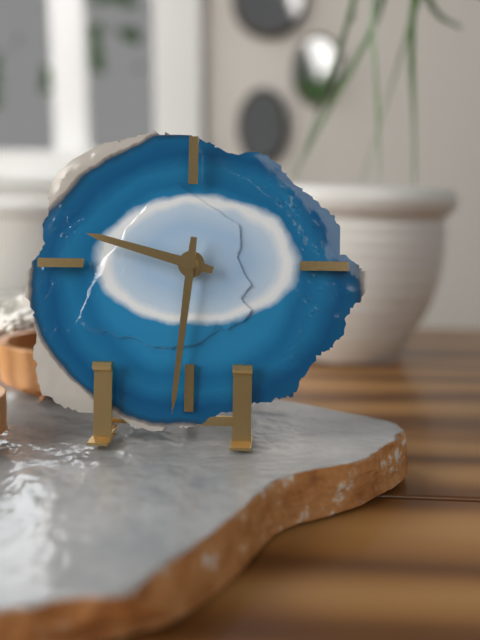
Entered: 9.31
